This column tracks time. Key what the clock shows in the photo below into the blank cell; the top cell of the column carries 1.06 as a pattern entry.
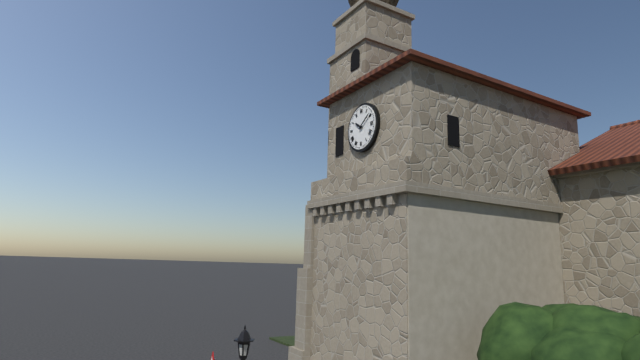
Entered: 10.09
